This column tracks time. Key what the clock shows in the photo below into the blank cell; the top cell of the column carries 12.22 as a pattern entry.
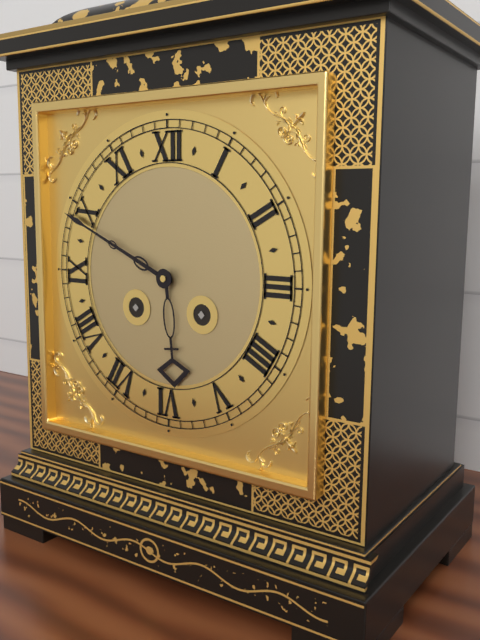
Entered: 5.49
